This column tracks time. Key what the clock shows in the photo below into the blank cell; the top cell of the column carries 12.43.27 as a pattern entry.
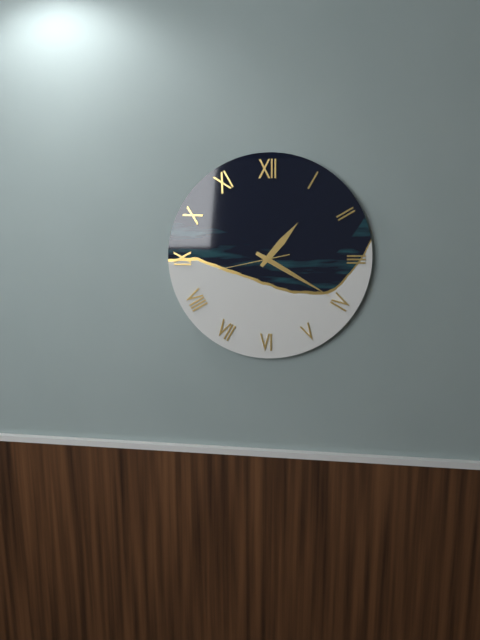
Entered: 1.20.43
